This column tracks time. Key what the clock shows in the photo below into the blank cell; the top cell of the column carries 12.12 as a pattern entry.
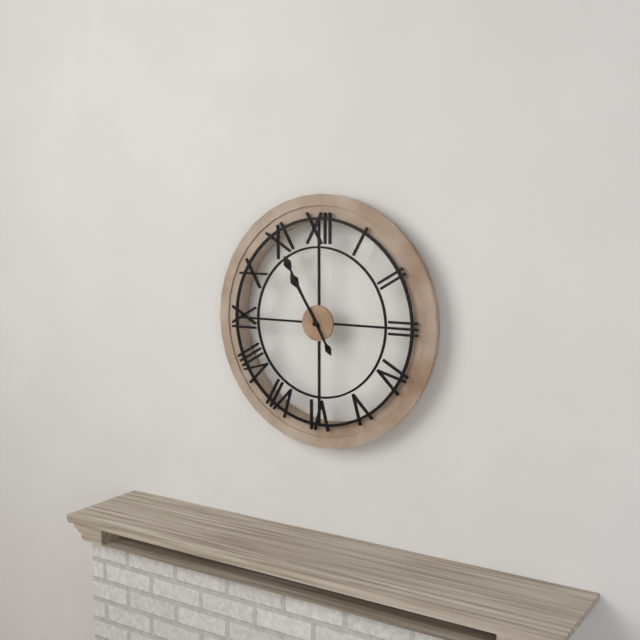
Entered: 10.55
